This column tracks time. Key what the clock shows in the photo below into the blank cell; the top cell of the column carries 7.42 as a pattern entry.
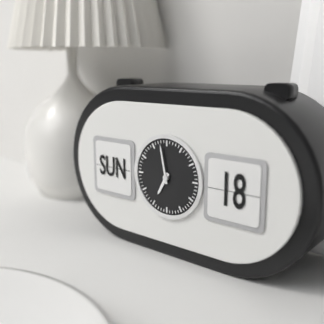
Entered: 6.58
